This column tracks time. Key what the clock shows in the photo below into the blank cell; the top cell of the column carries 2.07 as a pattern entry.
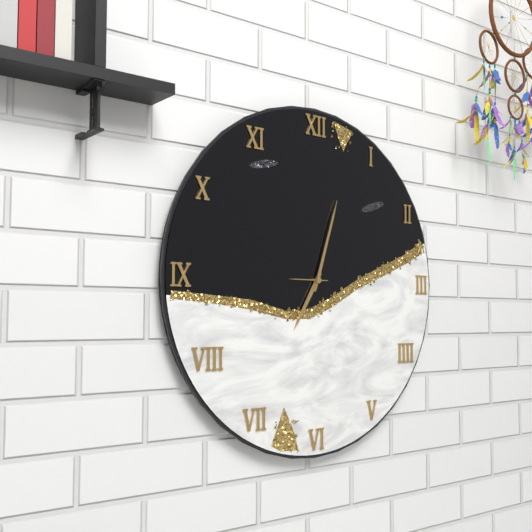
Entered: 7.03
